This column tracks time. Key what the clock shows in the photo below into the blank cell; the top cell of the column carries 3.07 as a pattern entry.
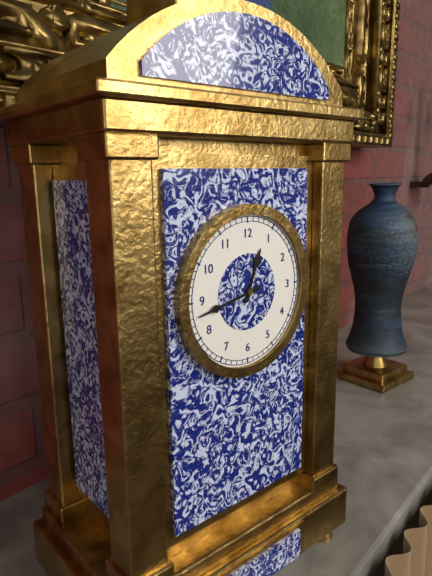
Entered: 12.43
